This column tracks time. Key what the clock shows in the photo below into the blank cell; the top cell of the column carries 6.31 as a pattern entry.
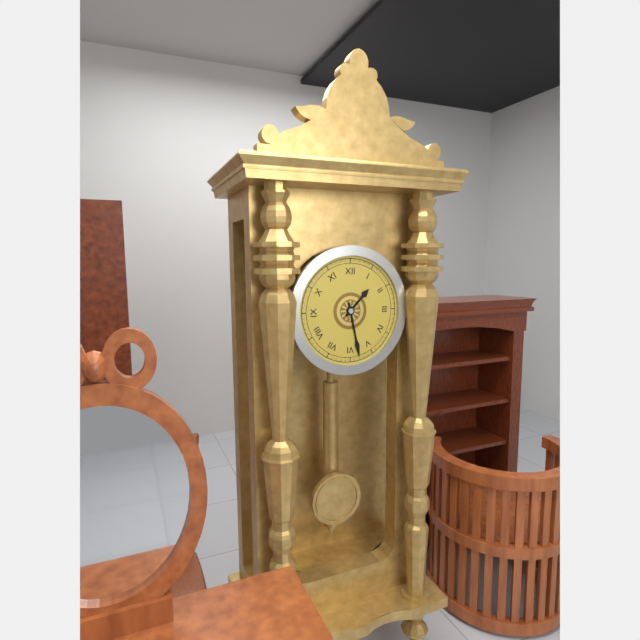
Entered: 1.28
